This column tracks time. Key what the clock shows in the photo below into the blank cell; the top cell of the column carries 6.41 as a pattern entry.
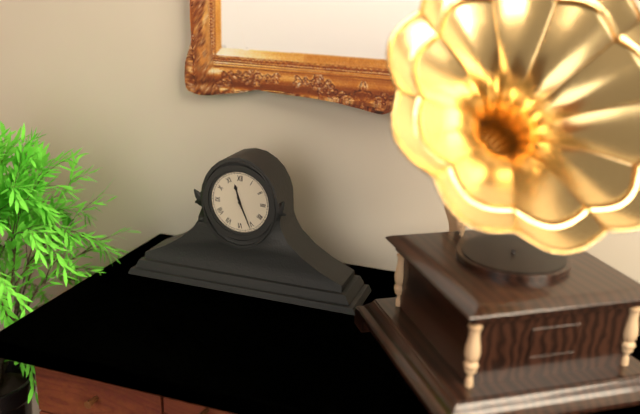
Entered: 11.26
